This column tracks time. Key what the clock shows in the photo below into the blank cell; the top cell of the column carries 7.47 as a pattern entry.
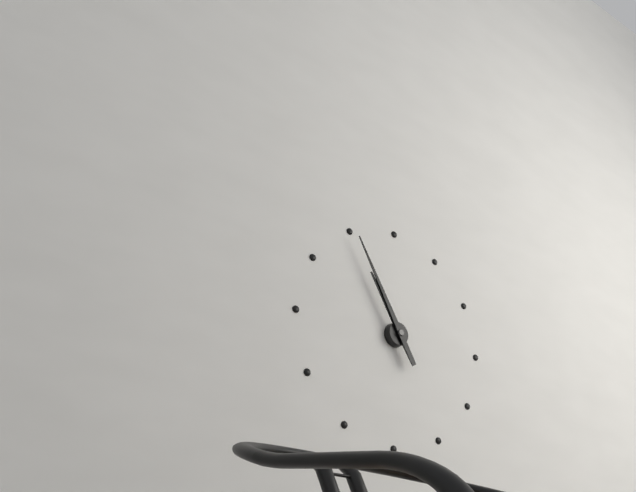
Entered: 10.55
